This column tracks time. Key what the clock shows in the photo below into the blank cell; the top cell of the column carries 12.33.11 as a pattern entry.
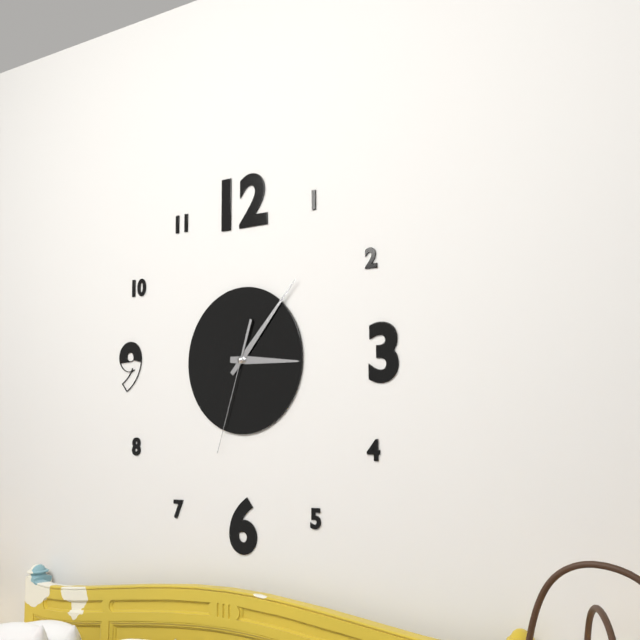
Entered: 3.07.33
